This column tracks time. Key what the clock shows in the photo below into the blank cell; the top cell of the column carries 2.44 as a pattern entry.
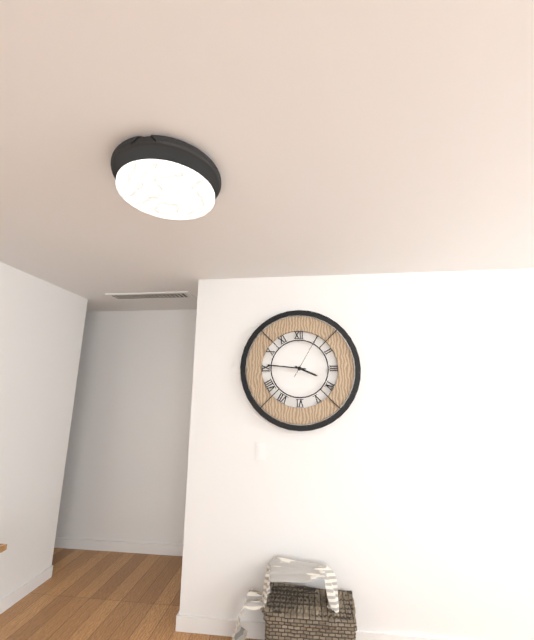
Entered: 3.46
